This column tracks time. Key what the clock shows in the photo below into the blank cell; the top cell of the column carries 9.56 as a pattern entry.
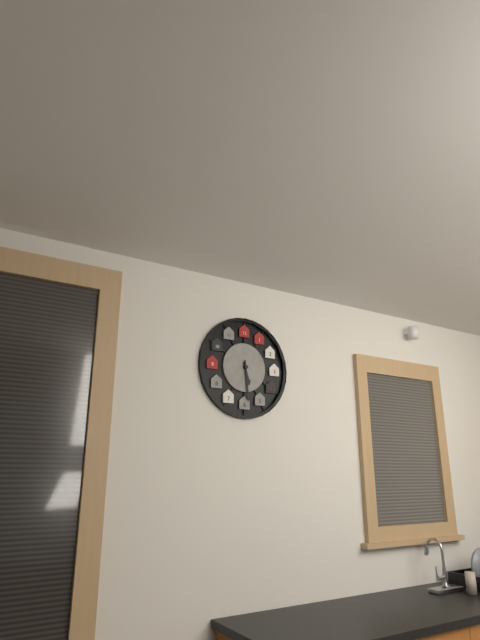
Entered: 5.29
